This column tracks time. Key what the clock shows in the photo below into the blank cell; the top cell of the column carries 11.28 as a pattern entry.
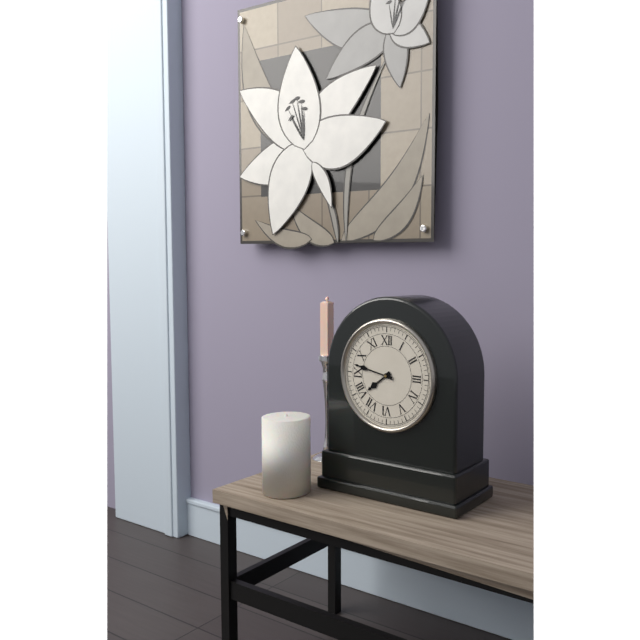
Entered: 7.47
